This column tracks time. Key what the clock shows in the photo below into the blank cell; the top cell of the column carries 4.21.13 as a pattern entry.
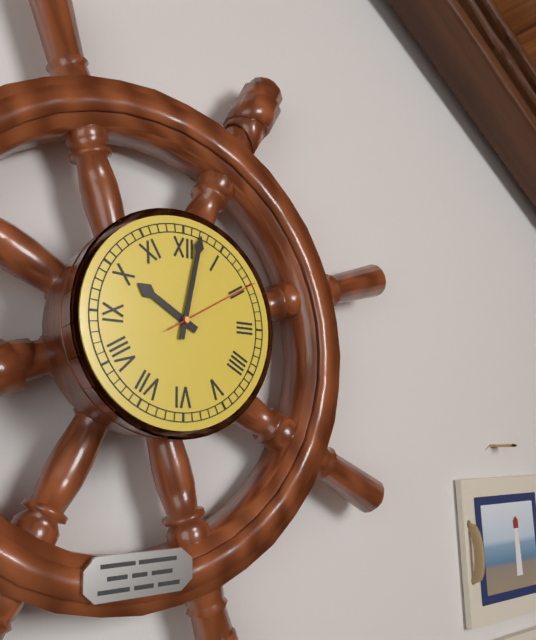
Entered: 10.02.10
